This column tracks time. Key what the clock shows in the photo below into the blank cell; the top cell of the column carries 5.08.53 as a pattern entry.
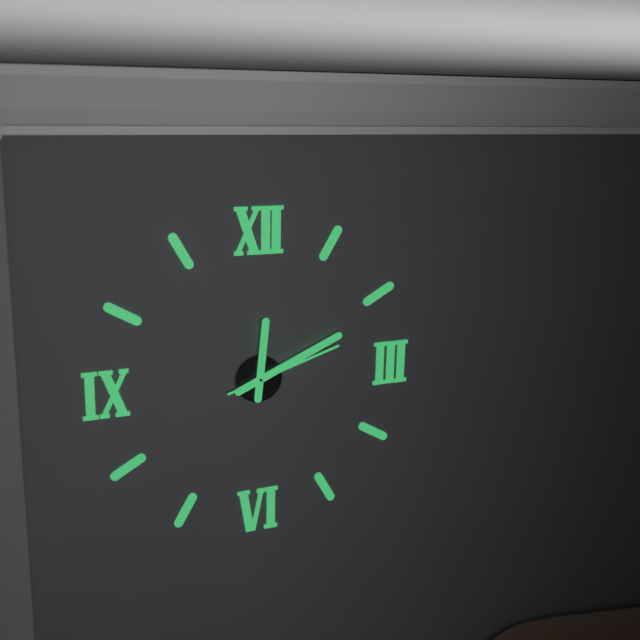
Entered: 12.11.12
